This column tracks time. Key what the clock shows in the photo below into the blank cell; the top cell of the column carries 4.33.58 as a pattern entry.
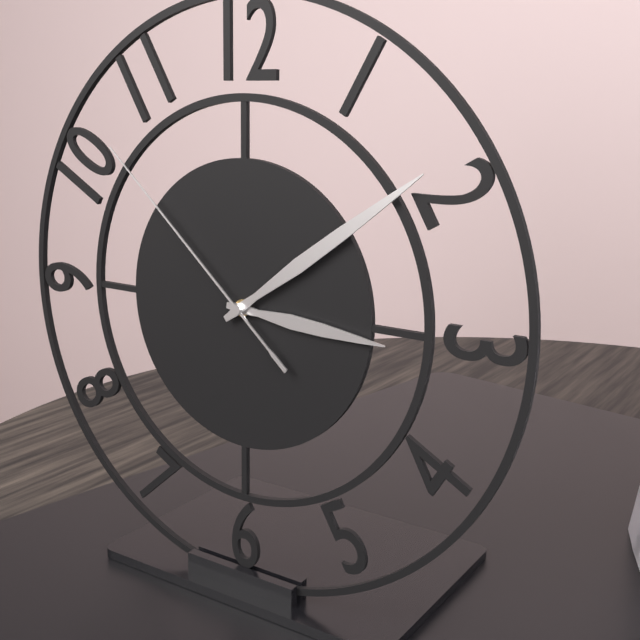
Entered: 3.09.52
